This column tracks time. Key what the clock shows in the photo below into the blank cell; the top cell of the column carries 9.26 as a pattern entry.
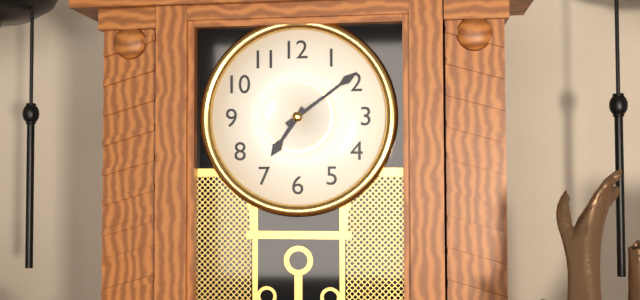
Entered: 7.09
